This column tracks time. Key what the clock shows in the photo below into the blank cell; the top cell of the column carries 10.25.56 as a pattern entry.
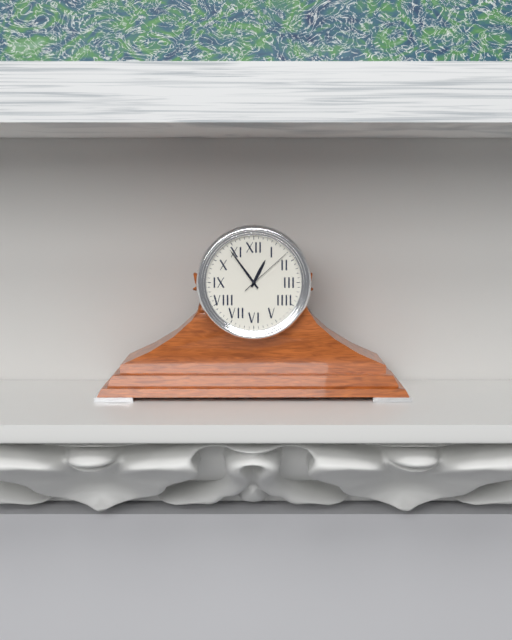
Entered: 12.54.08
